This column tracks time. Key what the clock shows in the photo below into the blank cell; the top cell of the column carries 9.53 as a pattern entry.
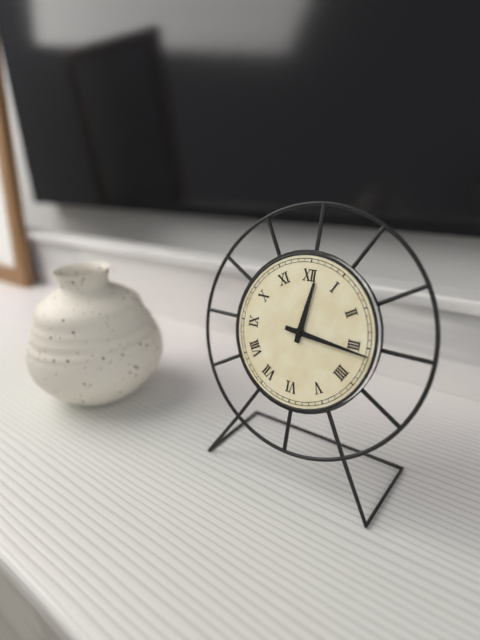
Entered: 12.16
